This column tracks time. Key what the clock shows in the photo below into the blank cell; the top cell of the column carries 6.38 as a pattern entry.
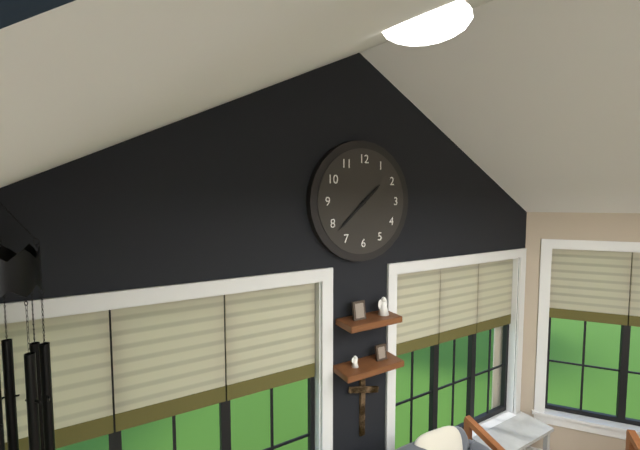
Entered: 1.38
